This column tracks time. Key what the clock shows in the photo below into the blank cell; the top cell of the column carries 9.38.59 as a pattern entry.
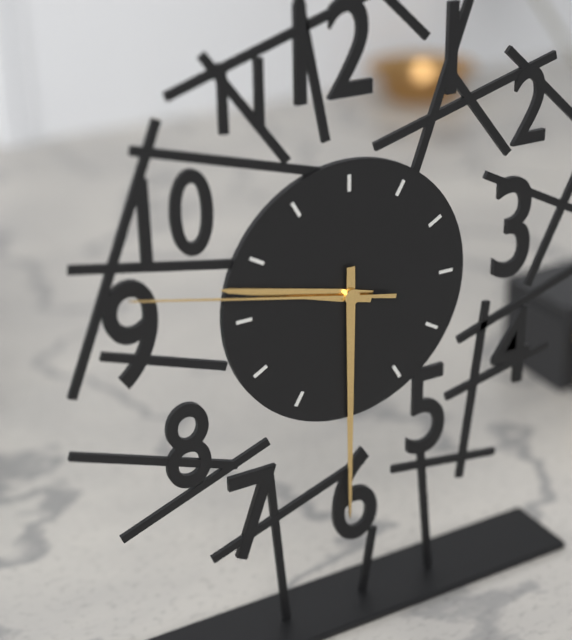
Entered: 9.30.47
